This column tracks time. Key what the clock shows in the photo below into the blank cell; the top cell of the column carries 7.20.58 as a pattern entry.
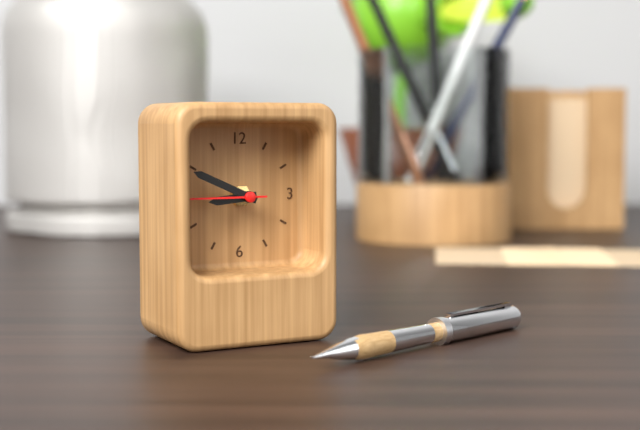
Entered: 8.49.45
